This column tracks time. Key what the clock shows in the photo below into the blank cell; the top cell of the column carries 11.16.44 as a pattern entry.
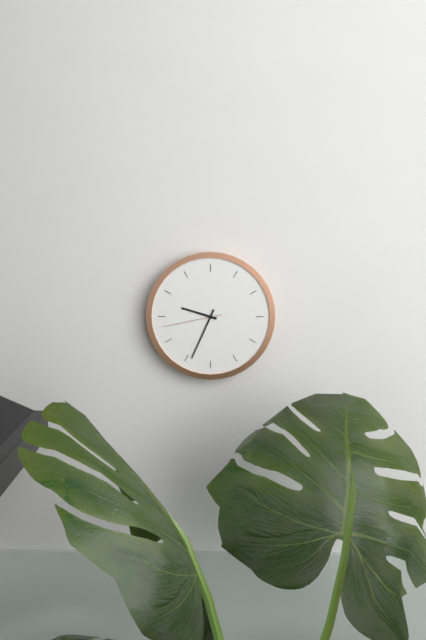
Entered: 9.34.43
